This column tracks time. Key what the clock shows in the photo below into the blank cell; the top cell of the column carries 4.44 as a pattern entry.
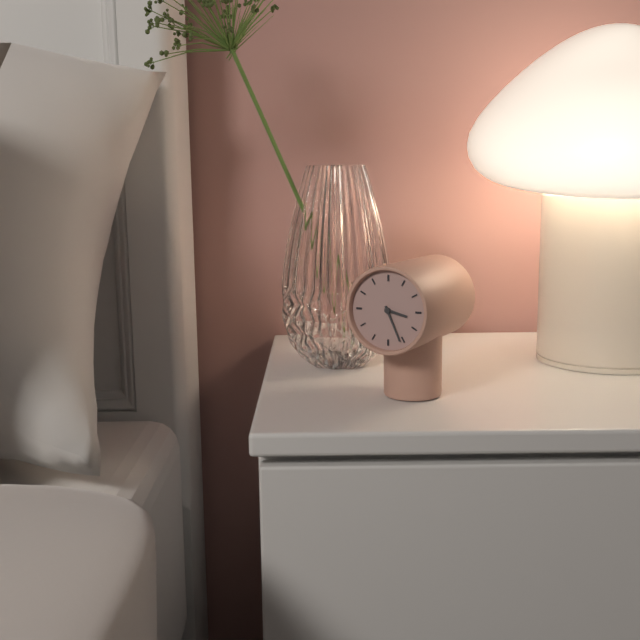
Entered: 3.26
